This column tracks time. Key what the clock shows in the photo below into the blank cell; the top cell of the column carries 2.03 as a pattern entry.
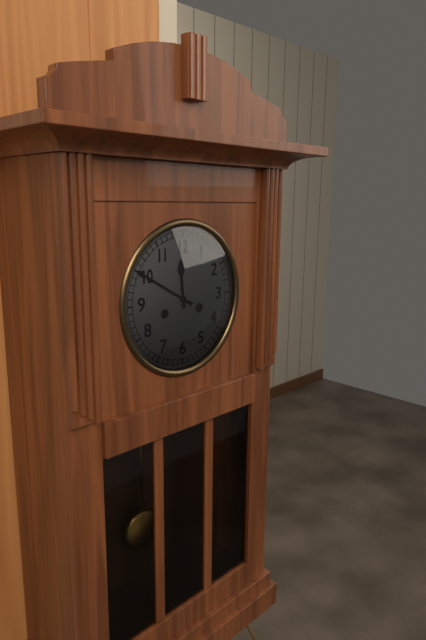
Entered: 11.50
